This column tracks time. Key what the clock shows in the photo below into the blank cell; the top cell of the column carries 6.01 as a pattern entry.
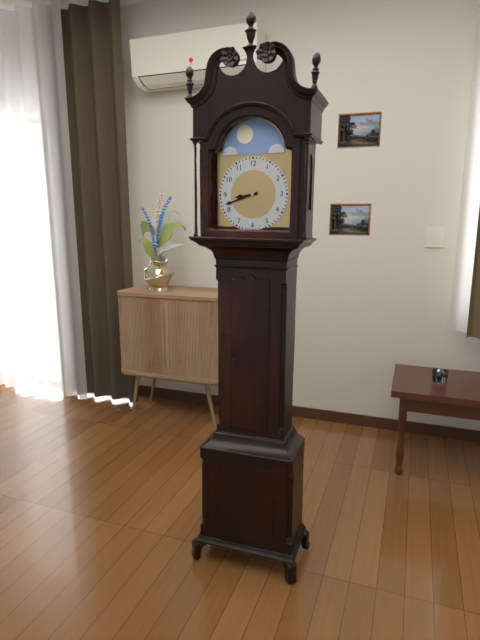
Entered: 8.42
